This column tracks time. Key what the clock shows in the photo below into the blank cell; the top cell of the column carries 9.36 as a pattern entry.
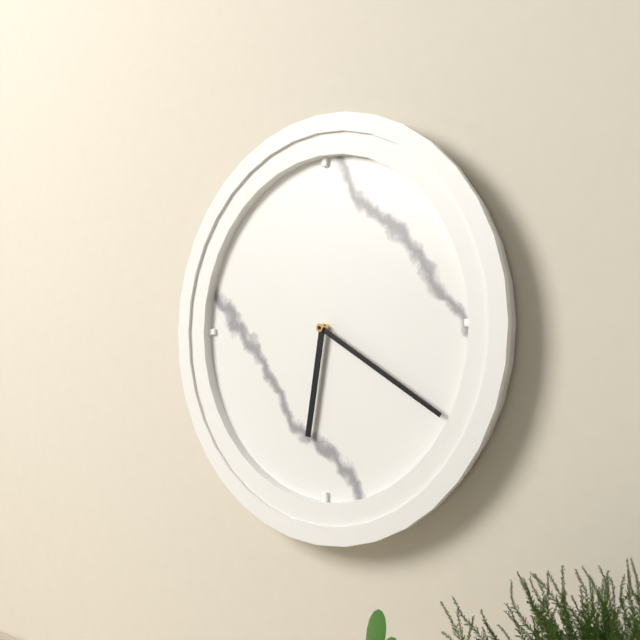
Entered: 6.20
